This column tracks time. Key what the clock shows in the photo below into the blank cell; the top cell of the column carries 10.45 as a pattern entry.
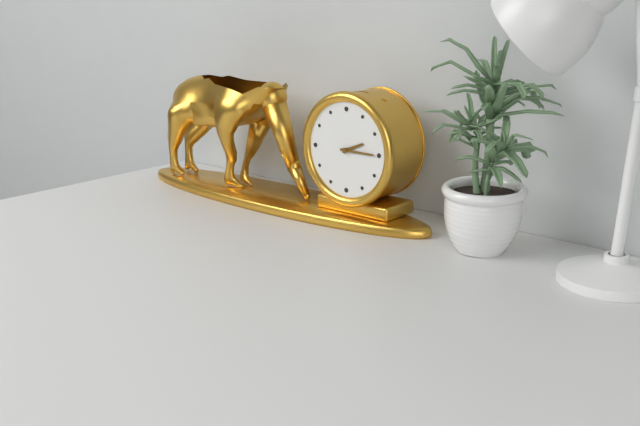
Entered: 2.15
